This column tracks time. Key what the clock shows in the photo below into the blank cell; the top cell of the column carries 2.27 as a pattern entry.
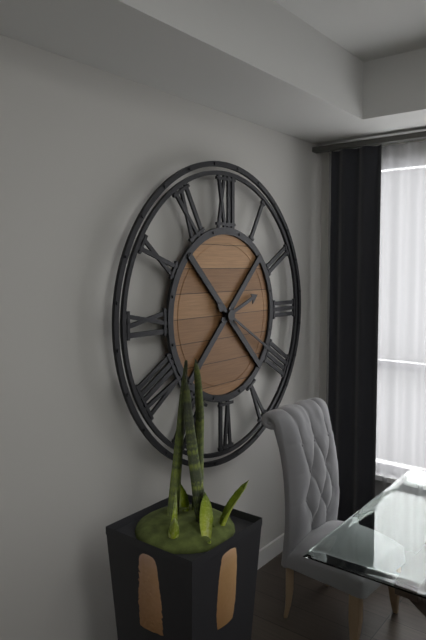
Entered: 2.20
